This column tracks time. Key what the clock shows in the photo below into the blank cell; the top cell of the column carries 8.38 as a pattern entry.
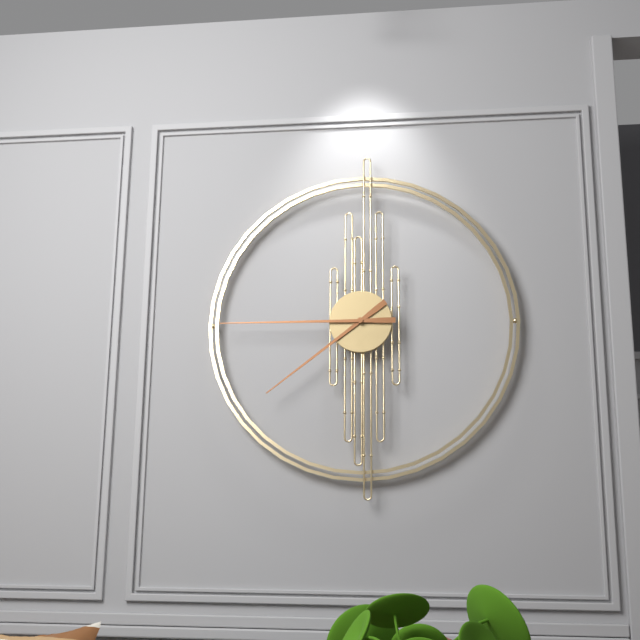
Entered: 7.45
